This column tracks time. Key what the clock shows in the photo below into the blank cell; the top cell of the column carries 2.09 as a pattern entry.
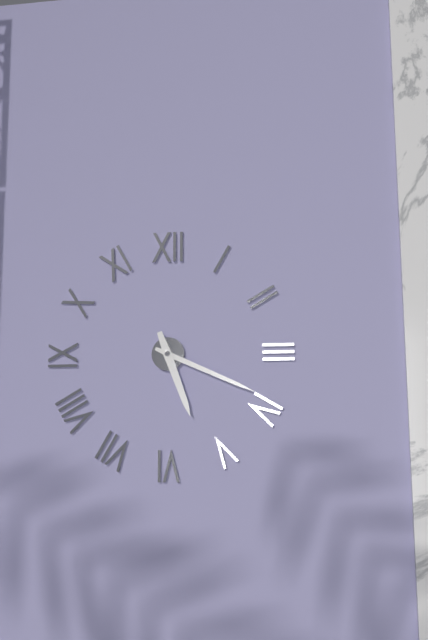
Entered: 5.19
